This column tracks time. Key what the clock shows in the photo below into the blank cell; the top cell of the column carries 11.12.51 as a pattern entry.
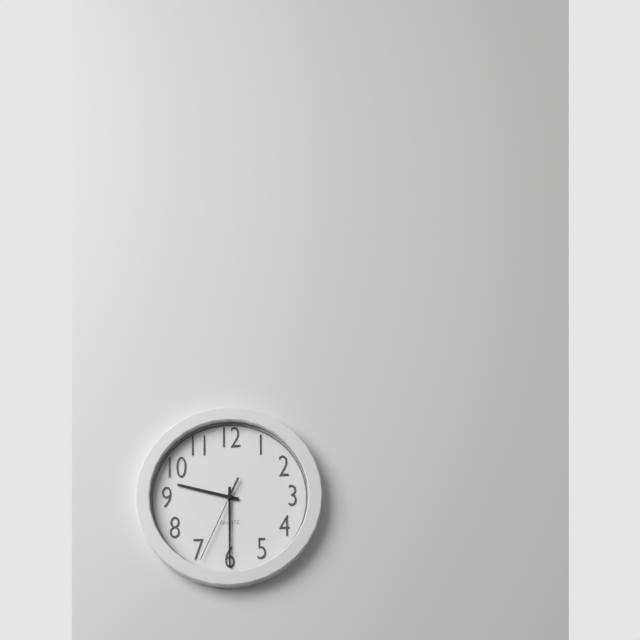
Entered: 9.30.34
